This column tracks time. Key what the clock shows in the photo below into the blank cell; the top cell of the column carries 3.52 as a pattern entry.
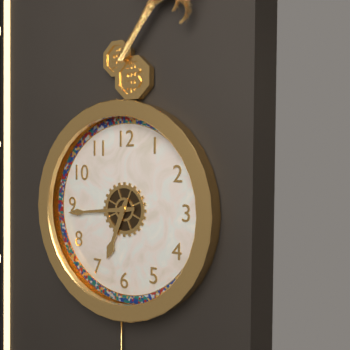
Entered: 6.44
